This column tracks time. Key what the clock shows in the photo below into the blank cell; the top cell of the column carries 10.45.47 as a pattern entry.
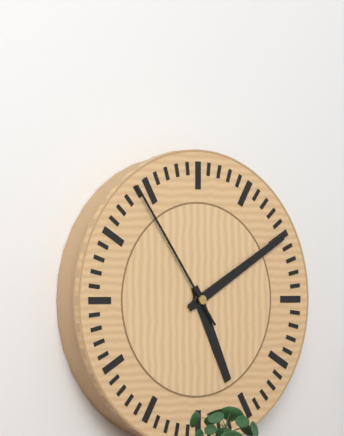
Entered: 5.10.54
